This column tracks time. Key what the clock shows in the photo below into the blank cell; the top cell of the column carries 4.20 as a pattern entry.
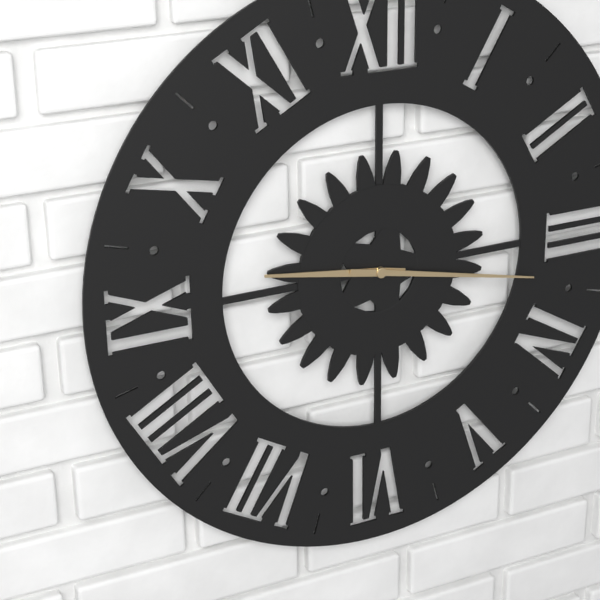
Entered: 9.17
